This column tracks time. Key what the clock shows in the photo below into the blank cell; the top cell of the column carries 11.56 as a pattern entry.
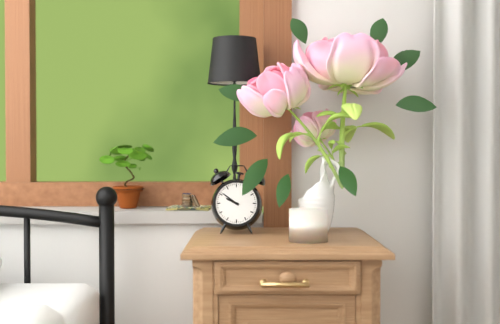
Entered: 9.51
